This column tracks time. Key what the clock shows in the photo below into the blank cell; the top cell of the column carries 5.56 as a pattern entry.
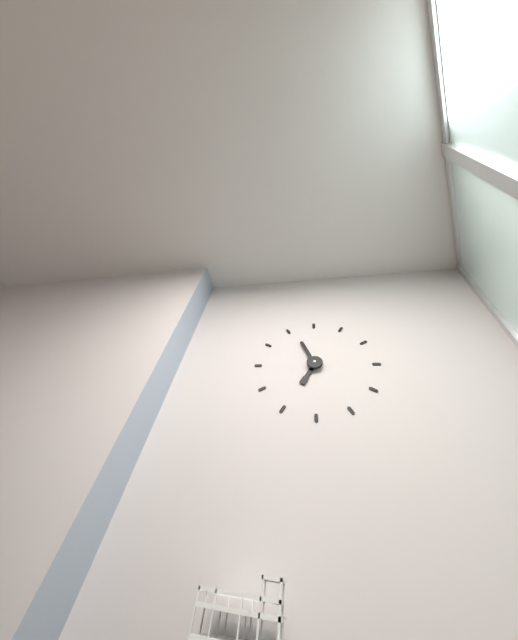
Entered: 6.56
